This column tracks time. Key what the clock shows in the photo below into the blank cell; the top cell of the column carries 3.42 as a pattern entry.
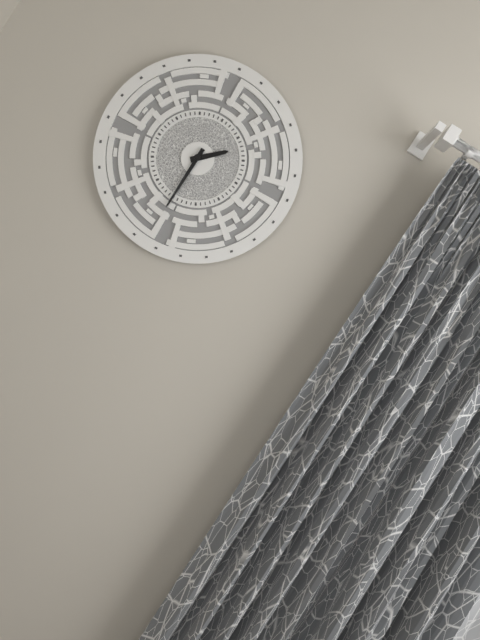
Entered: 1.30
